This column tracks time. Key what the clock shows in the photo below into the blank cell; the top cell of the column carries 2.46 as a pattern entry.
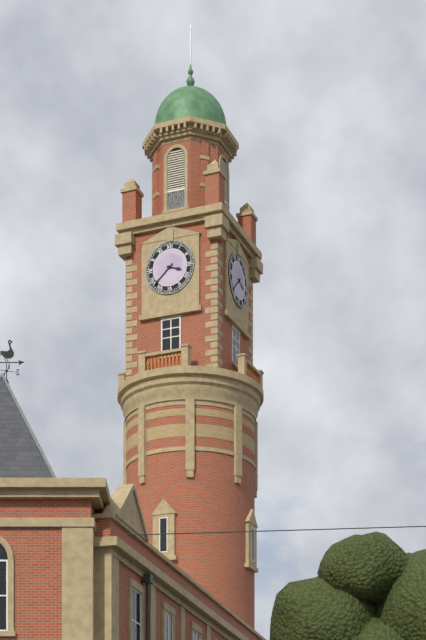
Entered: 3.38
